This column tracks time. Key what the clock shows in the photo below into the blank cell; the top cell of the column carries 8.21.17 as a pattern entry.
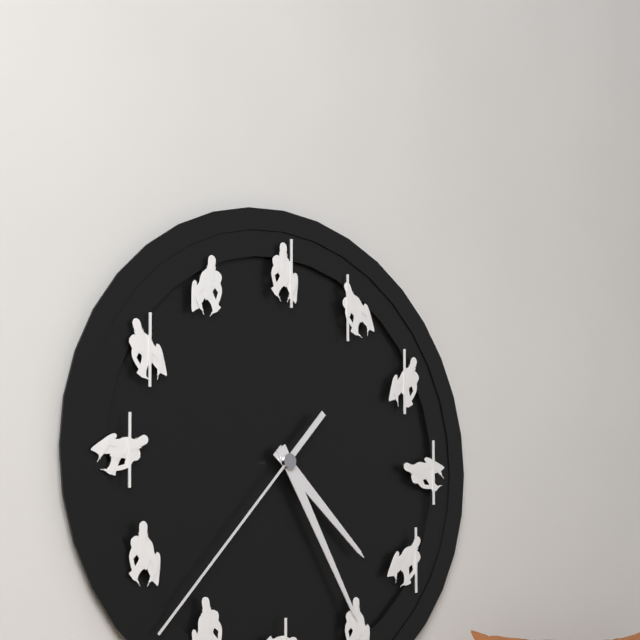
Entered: 4.25.37
